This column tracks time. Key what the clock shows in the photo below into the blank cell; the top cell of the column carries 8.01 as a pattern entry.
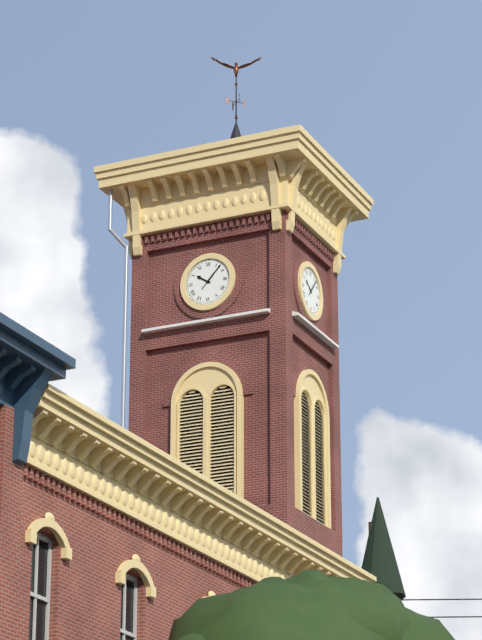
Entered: 10.07
